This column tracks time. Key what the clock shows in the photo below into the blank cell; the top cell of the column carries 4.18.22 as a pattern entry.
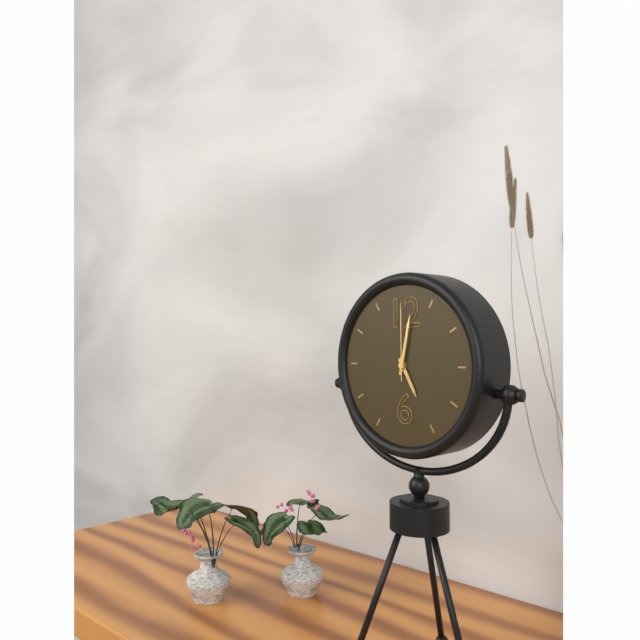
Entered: 5.02.00
